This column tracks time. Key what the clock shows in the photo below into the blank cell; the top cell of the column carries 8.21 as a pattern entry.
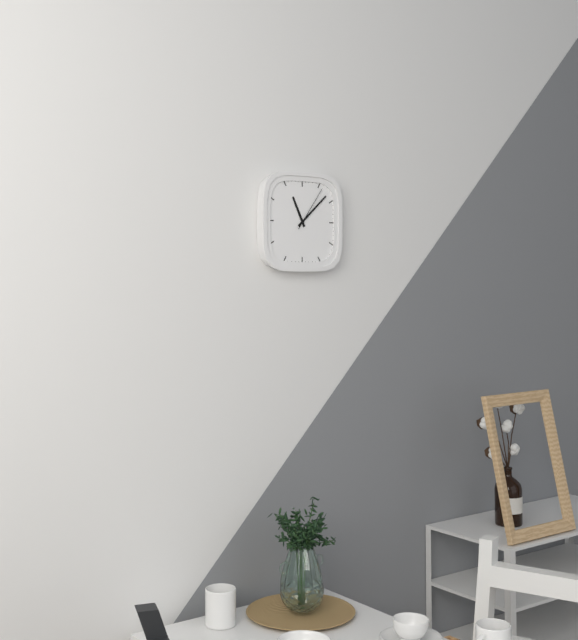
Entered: 11.08
